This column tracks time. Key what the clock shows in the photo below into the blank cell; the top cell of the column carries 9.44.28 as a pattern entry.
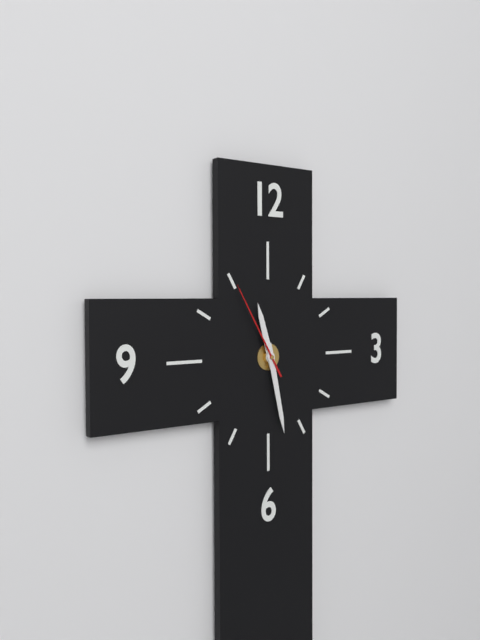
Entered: 11.28.55
